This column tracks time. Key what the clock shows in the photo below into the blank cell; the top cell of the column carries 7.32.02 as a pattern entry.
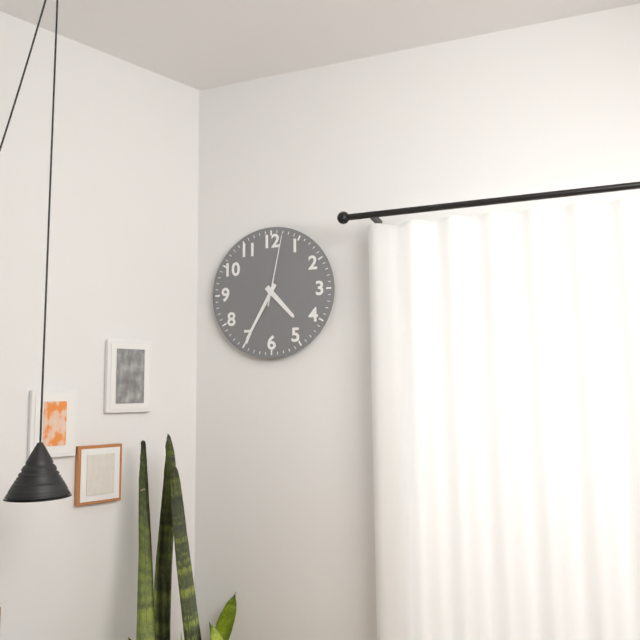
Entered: 4.35.02
